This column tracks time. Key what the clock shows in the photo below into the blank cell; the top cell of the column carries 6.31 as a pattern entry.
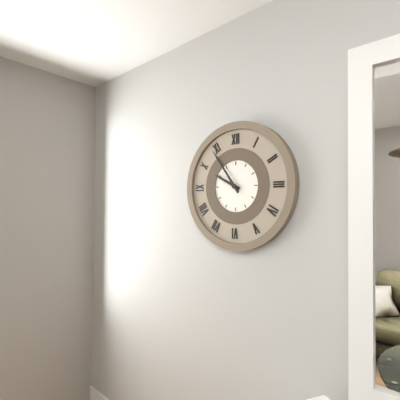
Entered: 9.54
